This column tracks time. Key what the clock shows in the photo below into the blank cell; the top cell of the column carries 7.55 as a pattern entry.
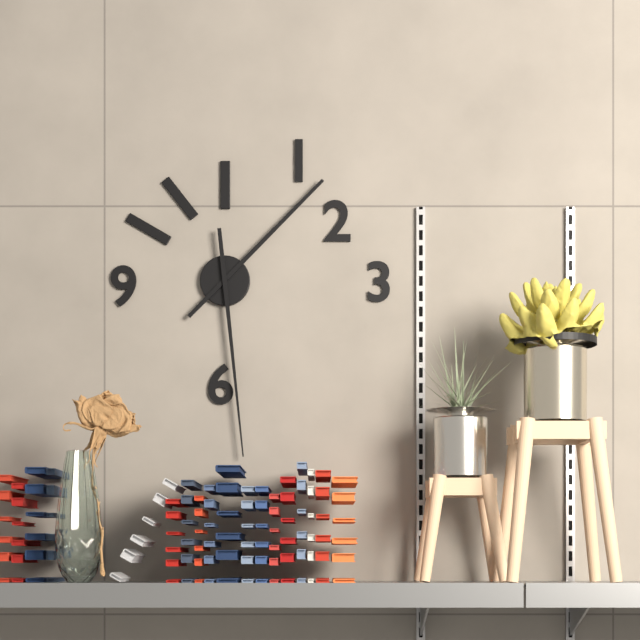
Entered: 1.29
